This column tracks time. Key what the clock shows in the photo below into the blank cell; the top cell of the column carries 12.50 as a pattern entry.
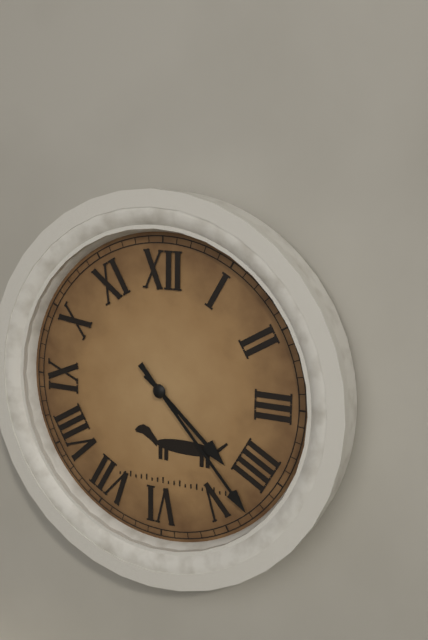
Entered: 4.23
